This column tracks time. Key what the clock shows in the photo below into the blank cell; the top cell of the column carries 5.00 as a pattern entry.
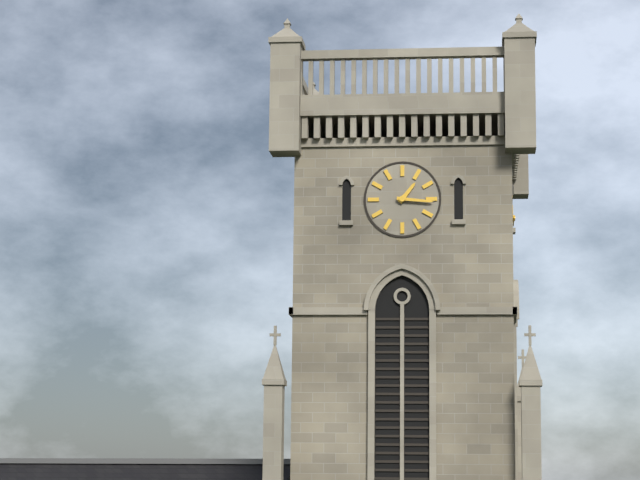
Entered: 1.16
